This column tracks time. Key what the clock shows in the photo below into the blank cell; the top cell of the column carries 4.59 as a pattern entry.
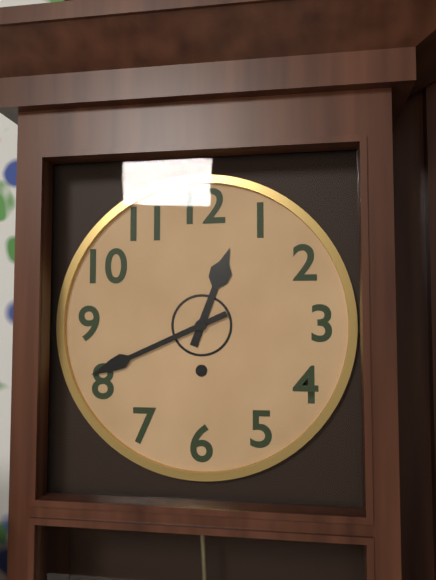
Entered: 12.41
